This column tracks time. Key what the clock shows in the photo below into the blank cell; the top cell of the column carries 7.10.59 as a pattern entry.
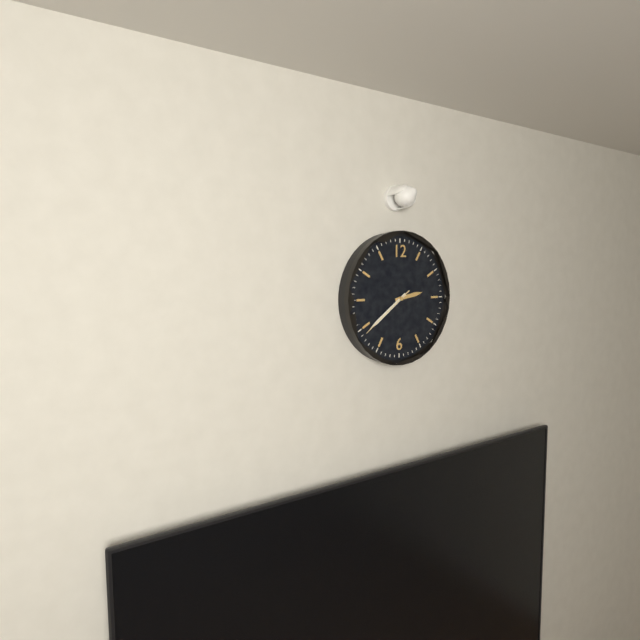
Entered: 2.39.39
